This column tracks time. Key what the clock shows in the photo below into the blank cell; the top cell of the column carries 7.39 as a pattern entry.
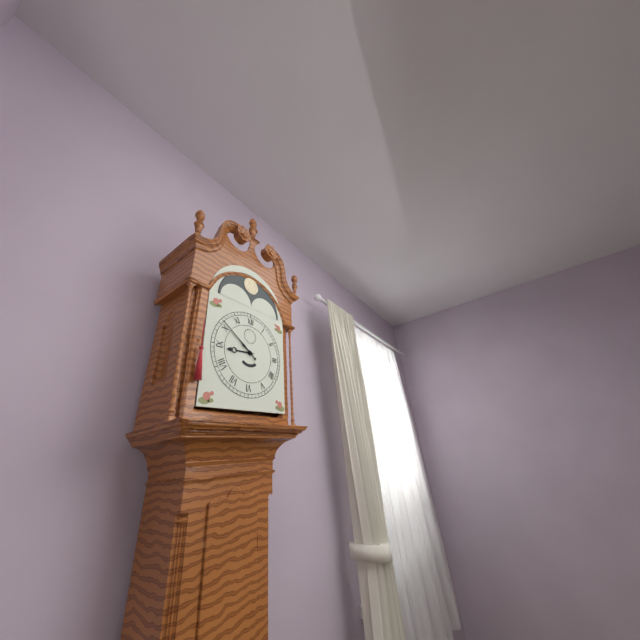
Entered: 8.51
